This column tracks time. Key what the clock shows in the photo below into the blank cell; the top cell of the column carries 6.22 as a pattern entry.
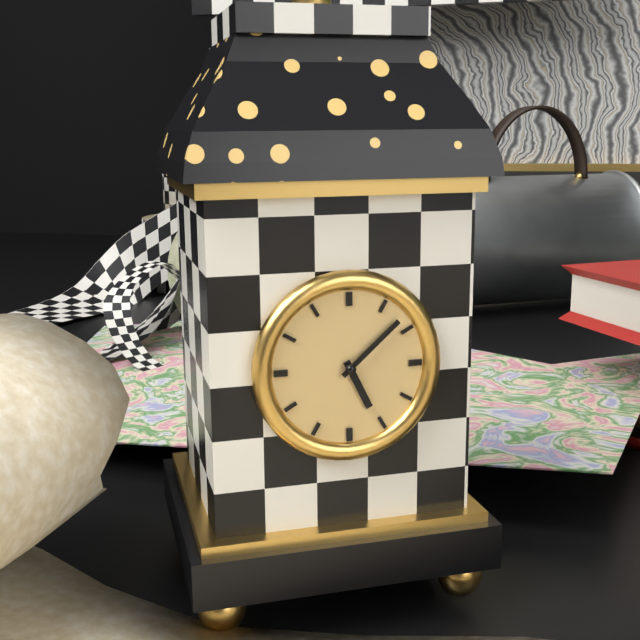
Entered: 5.08
